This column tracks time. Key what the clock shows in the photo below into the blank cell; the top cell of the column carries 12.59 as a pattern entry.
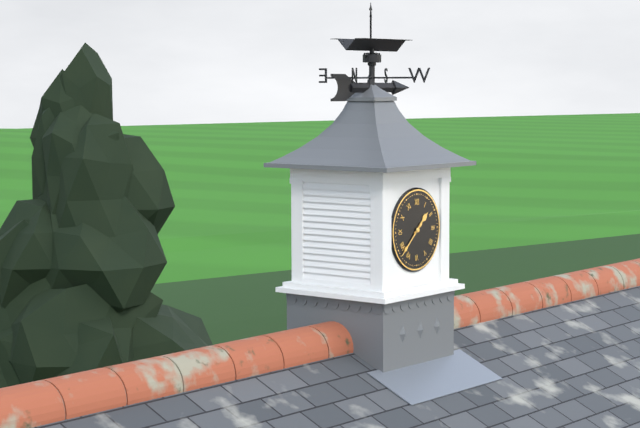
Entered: 1.38
